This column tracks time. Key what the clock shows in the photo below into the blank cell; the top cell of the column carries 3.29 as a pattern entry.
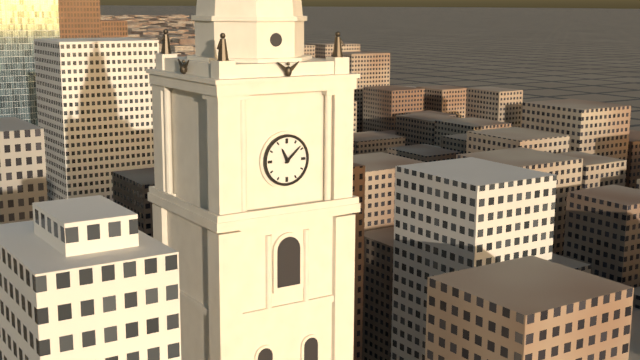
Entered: 11.08
